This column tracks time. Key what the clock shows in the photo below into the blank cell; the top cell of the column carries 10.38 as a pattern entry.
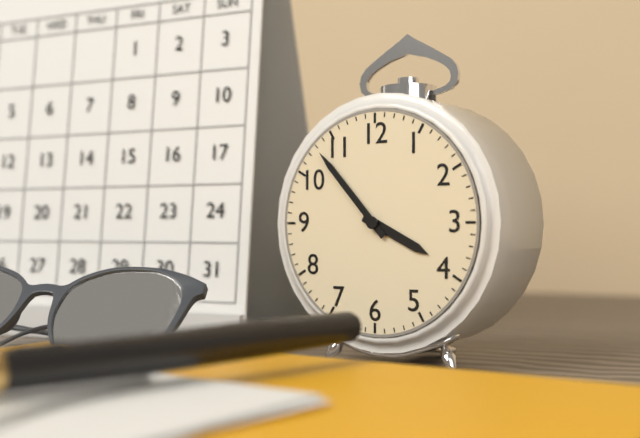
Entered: 3.53
